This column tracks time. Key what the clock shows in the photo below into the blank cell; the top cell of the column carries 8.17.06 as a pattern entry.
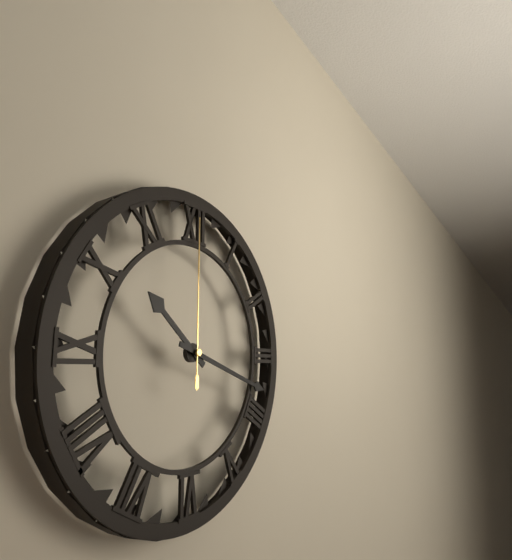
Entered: 10.18.00
